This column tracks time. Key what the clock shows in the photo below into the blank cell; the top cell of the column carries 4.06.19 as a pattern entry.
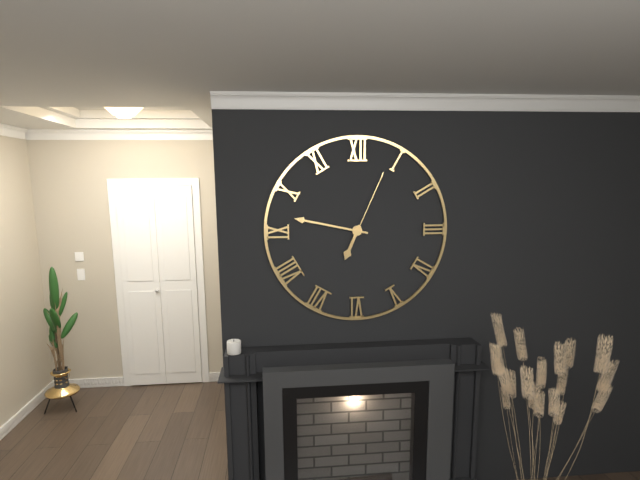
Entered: 6.47.04
